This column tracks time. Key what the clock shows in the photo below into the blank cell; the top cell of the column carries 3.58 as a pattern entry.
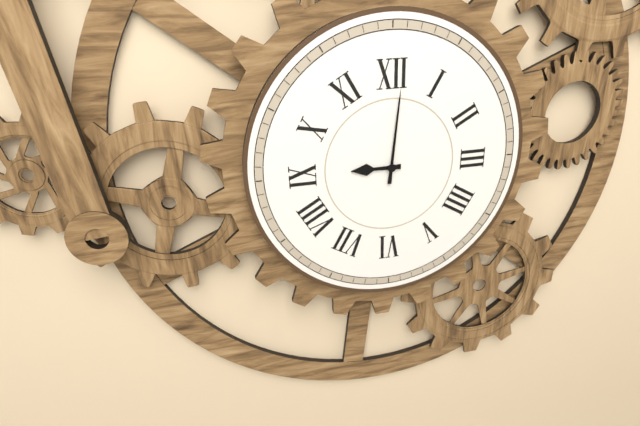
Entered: 9.01
